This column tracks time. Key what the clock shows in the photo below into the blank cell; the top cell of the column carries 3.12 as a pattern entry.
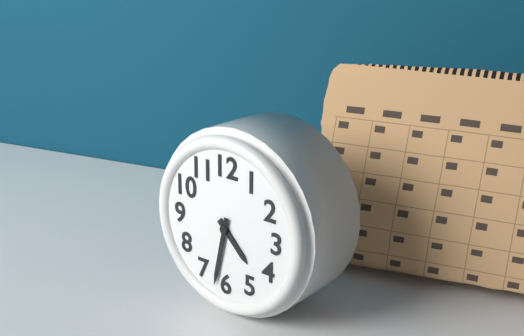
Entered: 4.32
